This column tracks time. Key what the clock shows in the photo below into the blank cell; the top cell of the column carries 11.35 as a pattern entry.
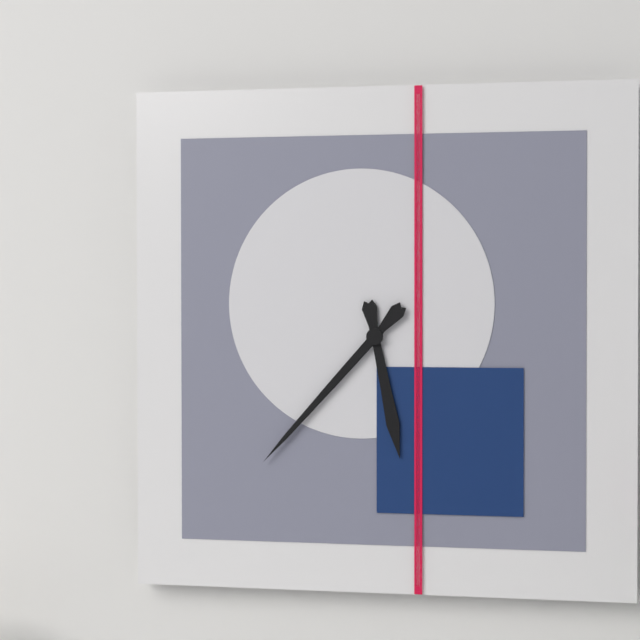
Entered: 5.37
